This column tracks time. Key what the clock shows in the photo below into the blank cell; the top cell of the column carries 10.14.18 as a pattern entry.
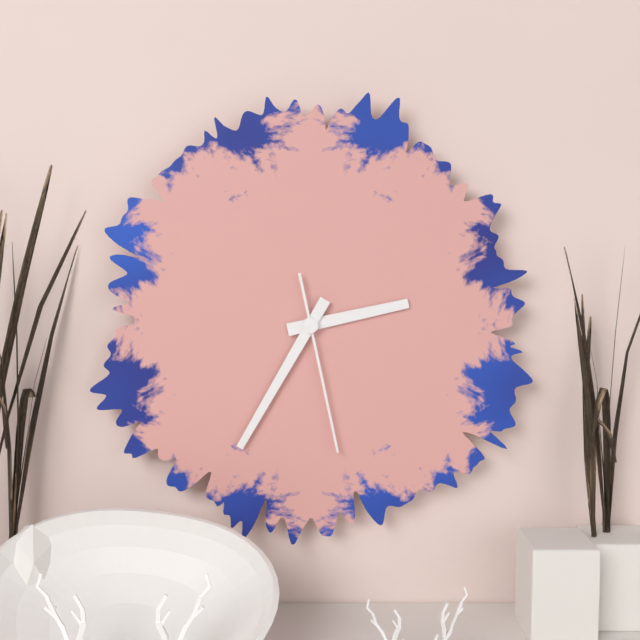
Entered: 2.35.28
